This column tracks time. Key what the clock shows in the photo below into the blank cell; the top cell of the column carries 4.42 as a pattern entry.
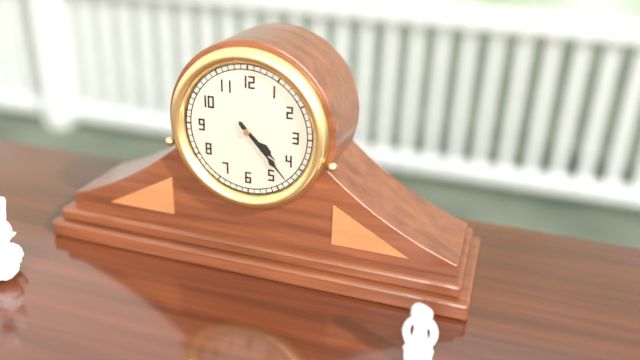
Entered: 4.23
